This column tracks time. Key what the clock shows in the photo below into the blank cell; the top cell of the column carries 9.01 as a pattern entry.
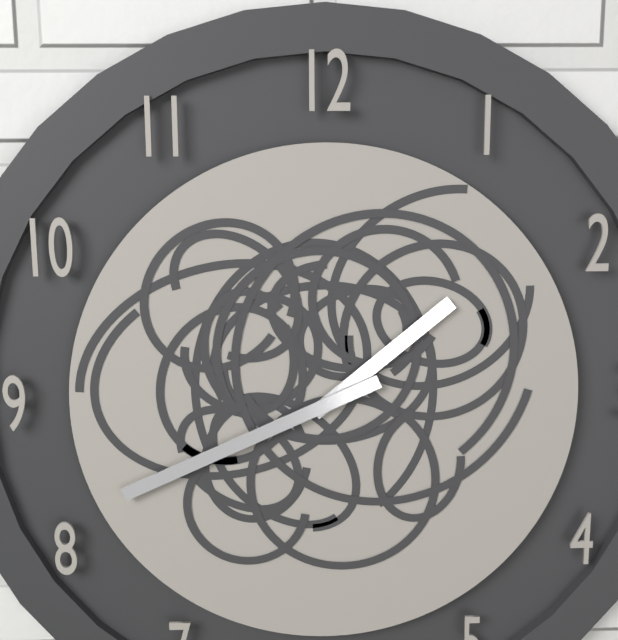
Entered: 1.41
